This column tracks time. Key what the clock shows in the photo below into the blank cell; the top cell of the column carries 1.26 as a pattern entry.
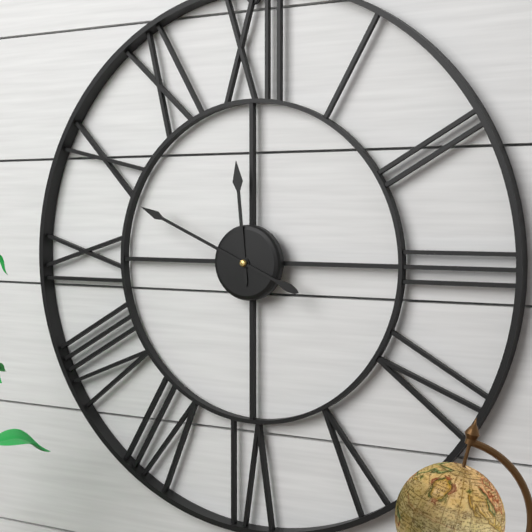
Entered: 11.49
